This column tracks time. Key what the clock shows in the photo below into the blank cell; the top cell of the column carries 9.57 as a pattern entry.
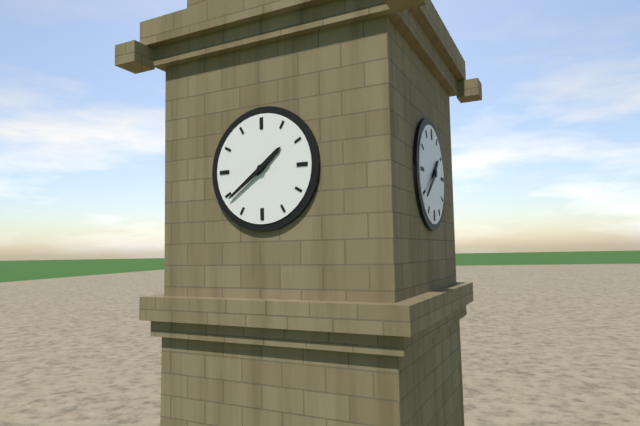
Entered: 1.39
